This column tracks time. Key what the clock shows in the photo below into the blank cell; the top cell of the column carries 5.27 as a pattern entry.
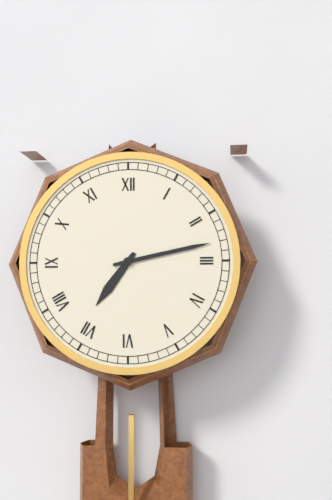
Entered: 7.13
